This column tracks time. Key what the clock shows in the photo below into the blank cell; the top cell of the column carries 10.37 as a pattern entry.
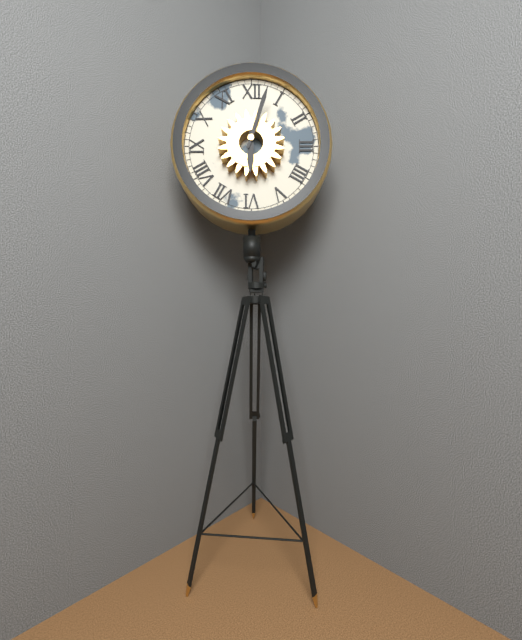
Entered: 6.03
